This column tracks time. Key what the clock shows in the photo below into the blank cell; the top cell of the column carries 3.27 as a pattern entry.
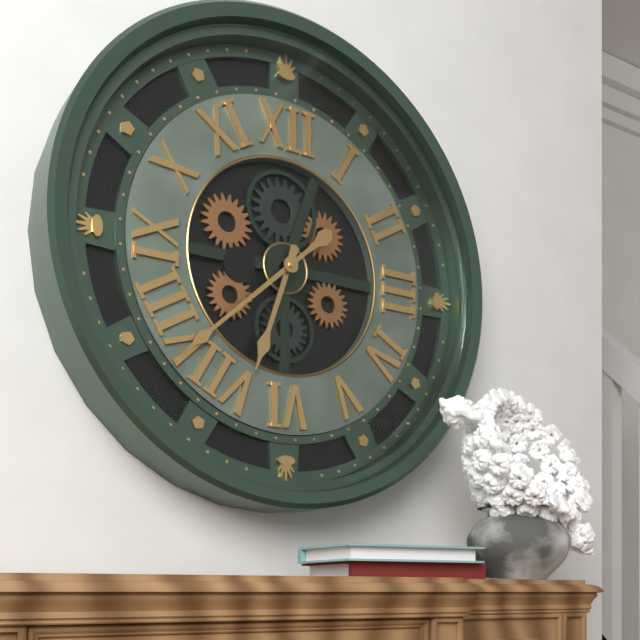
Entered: 6.38
